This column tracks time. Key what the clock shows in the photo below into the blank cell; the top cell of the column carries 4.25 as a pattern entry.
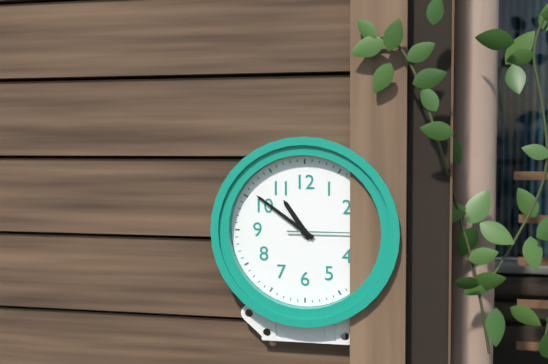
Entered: 10.51
